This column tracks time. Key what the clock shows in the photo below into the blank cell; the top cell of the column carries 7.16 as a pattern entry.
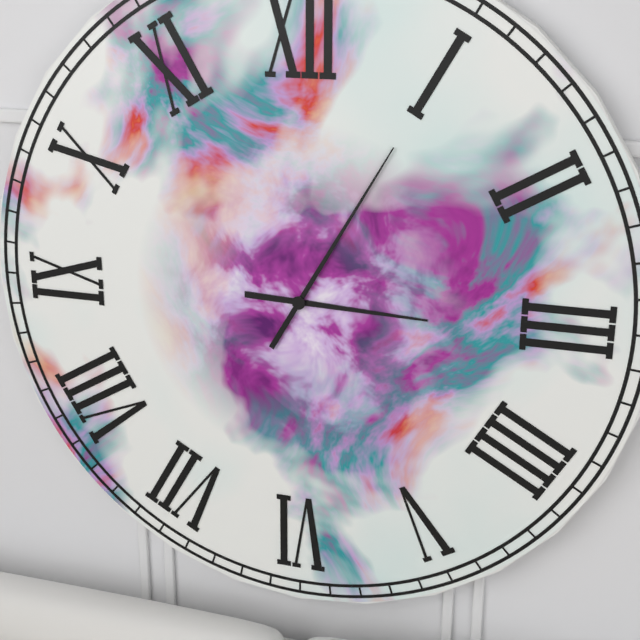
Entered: 3.05
